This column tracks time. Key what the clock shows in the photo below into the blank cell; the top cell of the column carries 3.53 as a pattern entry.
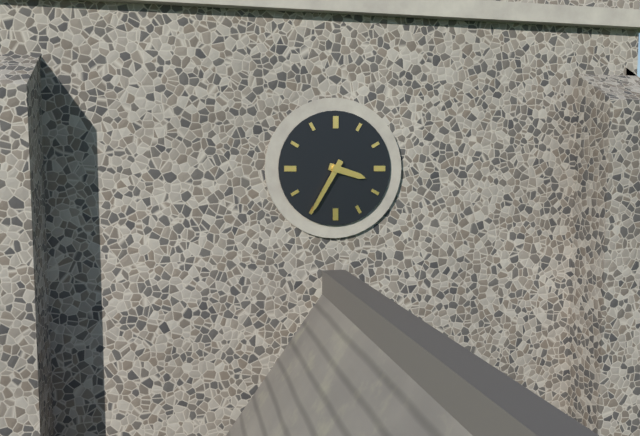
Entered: 3.35
